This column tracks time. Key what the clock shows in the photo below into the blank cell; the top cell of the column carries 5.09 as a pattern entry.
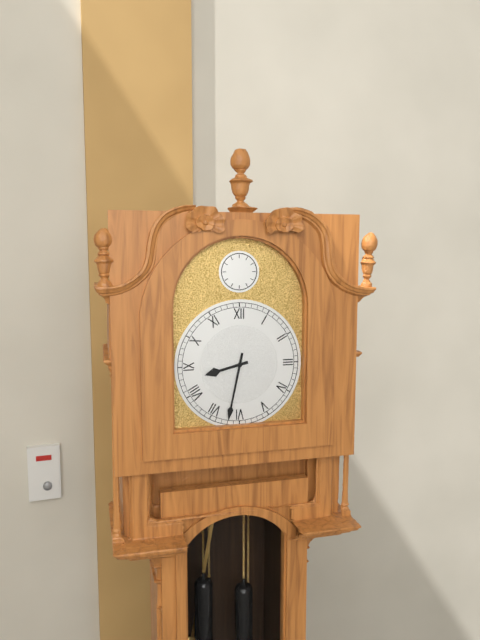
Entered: 8.32
